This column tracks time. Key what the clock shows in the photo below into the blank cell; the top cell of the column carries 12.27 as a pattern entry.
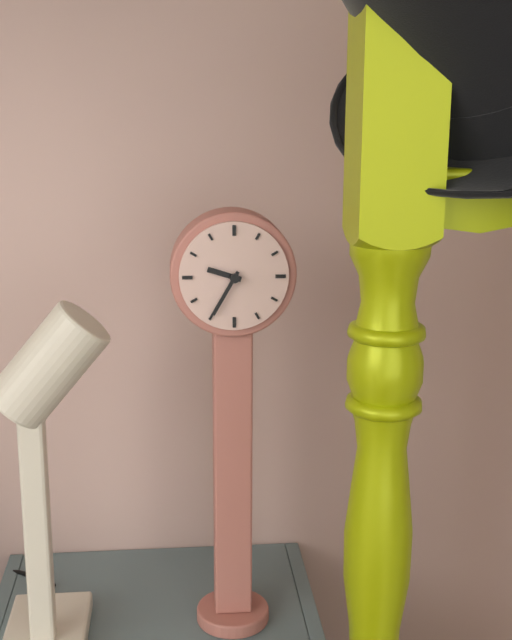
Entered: 9.35
